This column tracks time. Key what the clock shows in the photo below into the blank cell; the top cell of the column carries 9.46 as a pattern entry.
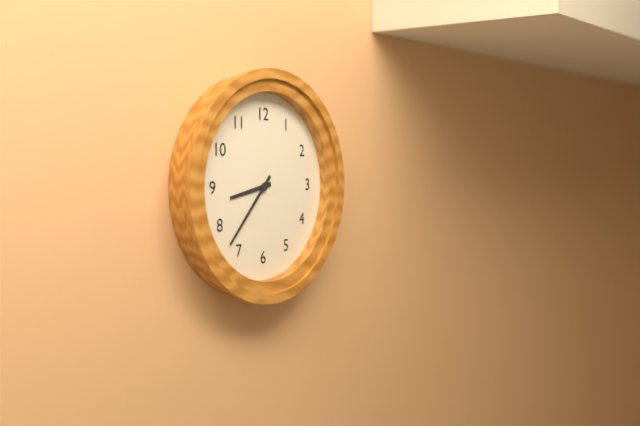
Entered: 8.37
